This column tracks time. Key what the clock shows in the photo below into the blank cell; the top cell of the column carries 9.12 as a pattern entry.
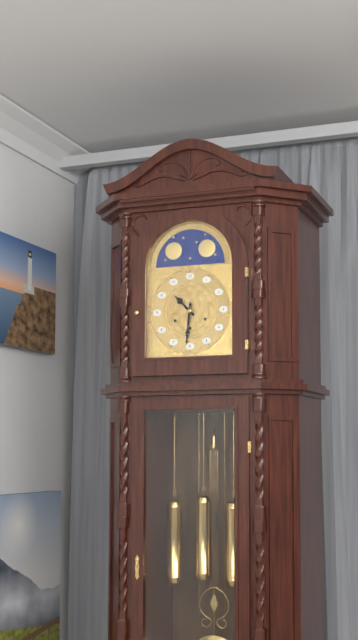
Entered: 10.31
